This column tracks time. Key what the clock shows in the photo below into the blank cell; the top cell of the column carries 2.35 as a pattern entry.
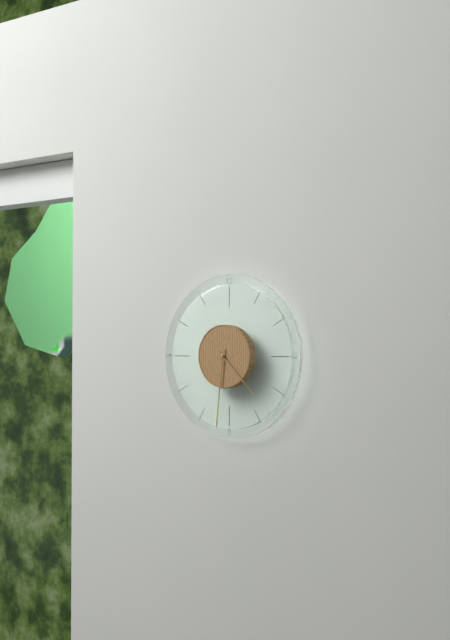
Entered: 4.31
